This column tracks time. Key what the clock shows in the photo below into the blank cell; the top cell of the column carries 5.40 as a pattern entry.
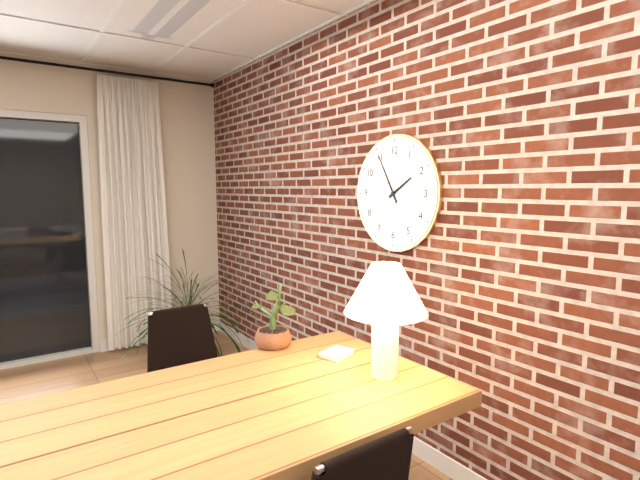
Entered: 1.55
